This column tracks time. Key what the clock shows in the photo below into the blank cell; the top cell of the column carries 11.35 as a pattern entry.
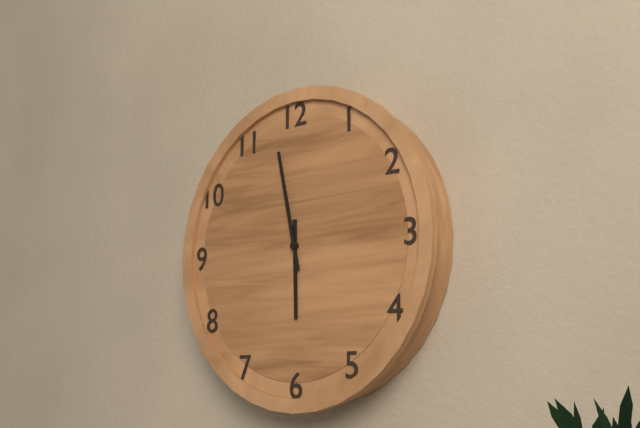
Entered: 5.58
